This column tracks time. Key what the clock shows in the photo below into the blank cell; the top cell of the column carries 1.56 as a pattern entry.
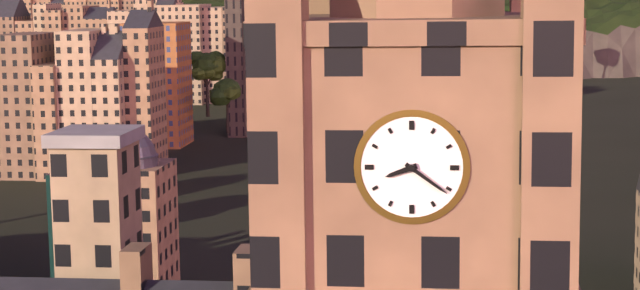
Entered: 8.21
